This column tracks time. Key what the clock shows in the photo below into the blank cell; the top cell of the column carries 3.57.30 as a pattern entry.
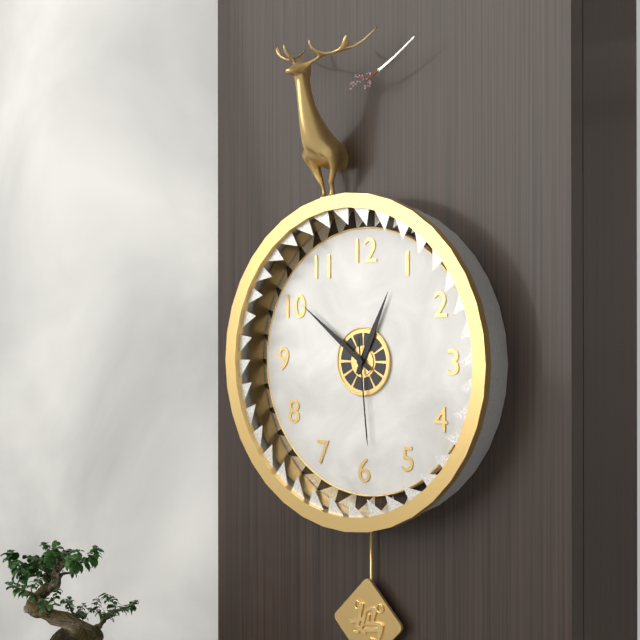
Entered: 12.51.29
